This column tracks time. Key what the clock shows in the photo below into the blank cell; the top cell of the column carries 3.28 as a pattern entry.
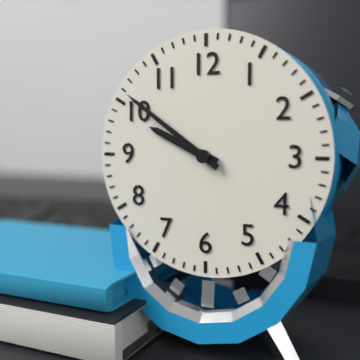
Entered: 9.51
